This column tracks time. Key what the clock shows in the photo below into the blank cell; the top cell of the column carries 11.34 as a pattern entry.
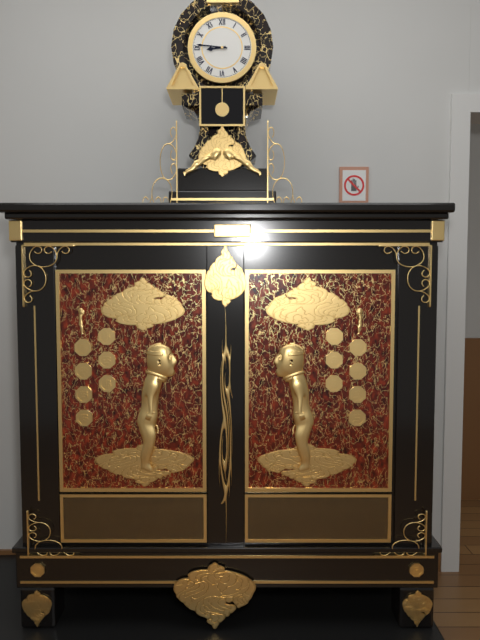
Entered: 8.46
